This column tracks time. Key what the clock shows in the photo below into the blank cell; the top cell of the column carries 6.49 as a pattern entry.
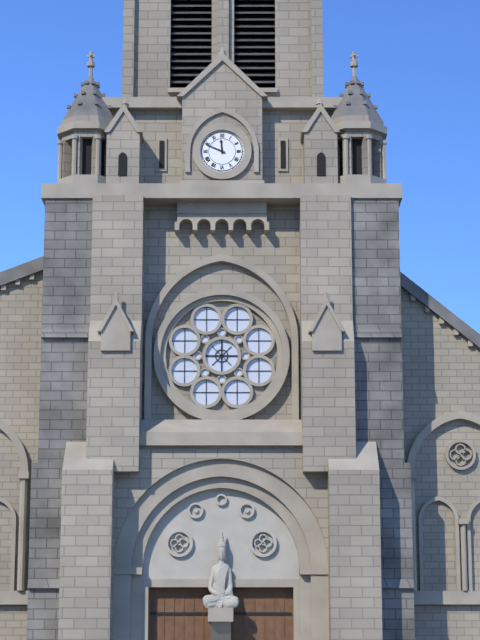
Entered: 11.49
